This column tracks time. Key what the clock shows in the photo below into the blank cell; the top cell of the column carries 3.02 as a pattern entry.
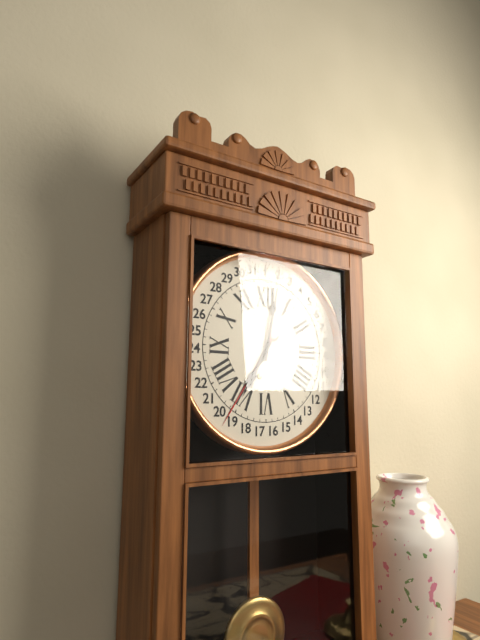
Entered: 7.02
